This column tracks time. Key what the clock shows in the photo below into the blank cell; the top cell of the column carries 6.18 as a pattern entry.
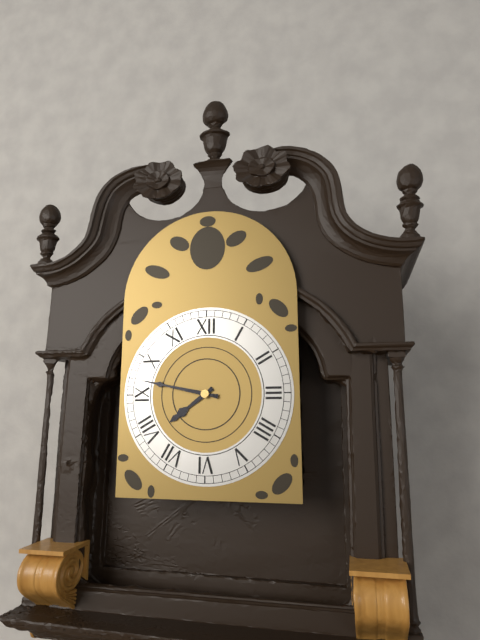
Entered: 7.47
